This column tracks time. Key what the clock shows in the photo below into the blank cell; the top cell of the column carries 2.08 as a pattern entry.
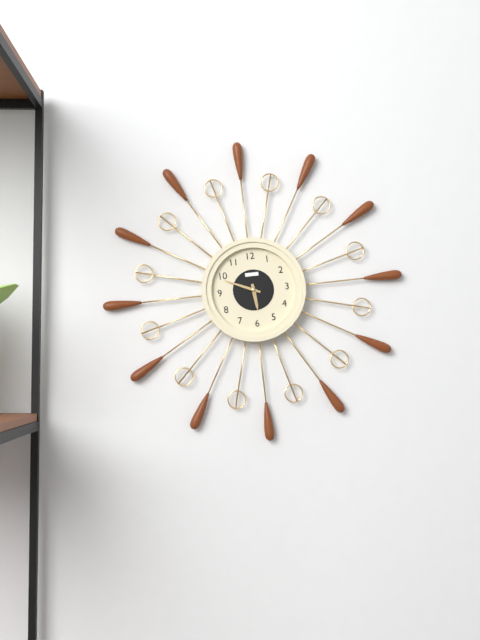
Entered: 5.49
